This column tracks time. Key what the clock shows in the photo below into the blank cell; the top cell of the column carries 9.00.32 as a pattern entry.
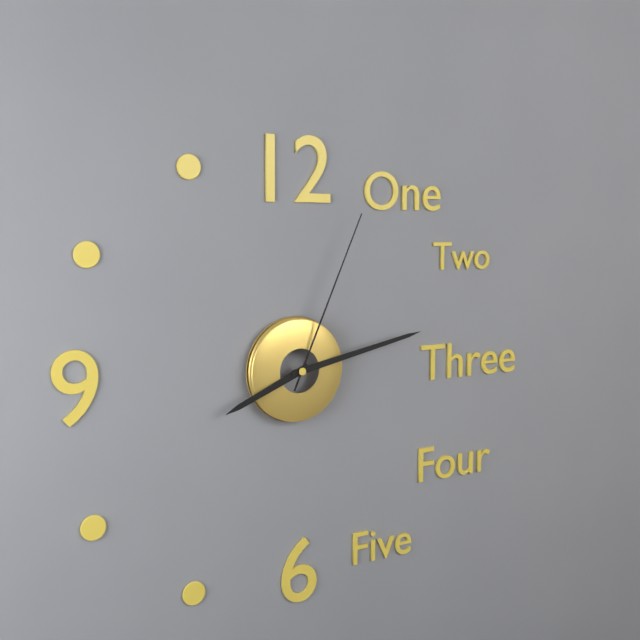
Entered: 8.13.04
